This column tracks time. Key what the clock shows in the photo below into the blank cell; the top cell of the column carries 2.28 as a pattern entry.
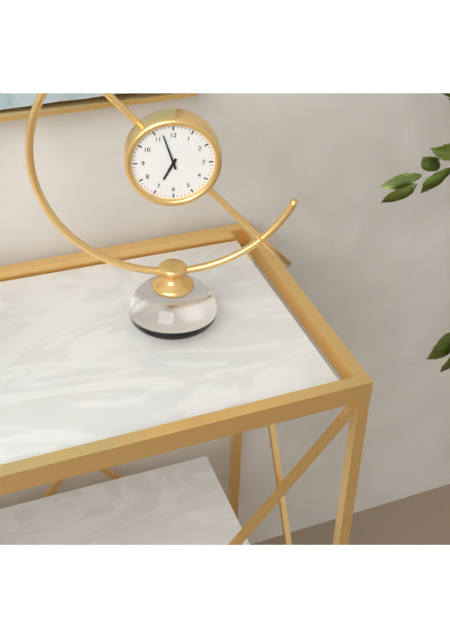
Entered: 6.57
